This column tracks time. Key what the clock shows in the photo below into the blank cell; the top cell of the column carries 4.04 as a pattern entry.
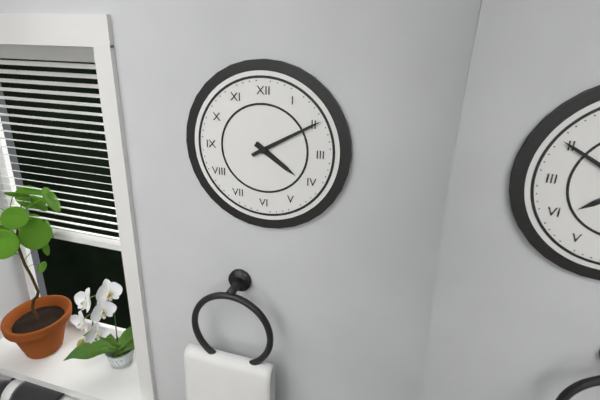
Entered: 4.10
